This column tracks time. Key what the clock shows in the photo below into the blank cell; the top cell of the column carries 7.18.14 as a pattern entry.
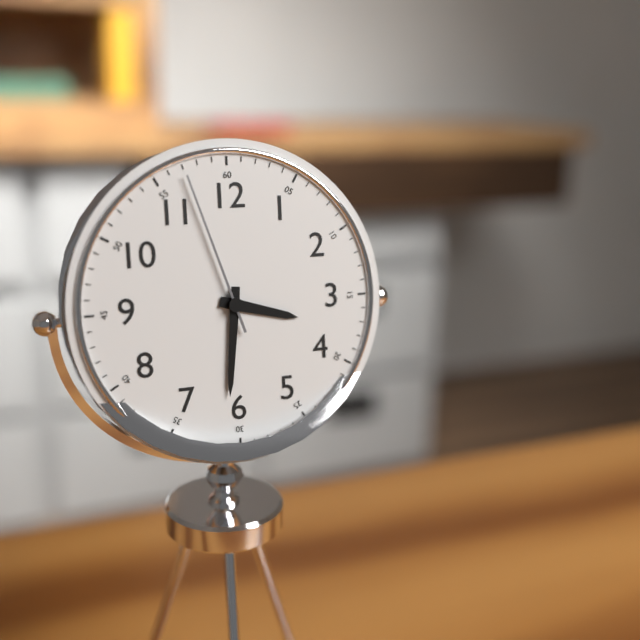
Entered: 3.31.57
